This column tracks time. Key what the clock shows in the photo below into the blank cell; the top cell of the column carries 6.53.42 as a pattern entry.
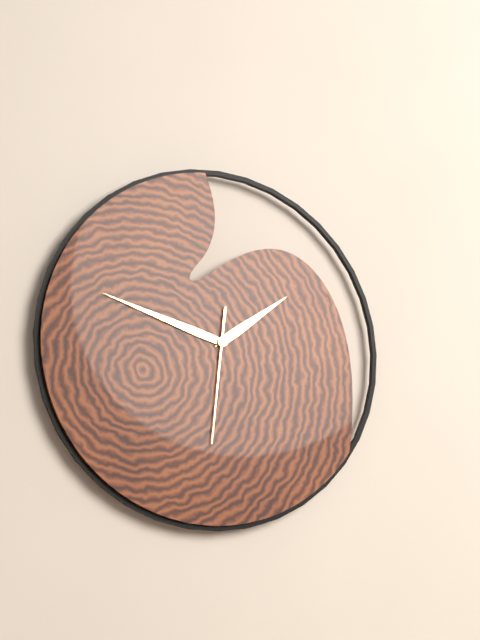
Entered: 1.48.31
